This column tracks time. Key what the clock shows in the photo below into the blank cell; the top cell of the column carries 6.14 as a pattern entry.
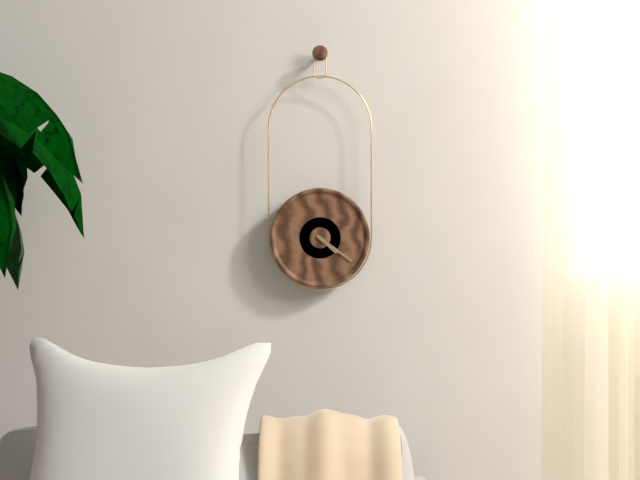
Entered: 4.21
